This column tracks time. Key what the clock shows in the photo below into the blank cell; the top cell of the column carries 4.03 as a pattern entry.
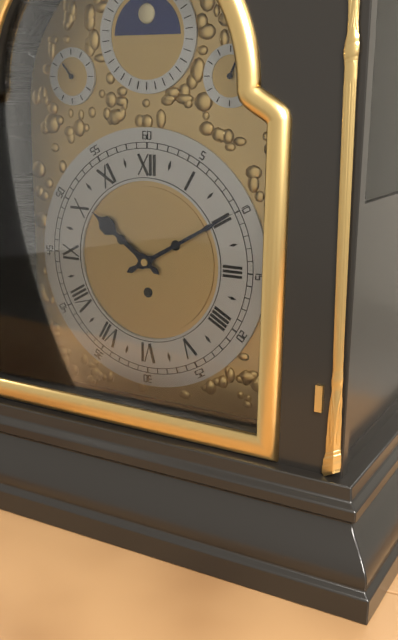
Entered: 10.10
